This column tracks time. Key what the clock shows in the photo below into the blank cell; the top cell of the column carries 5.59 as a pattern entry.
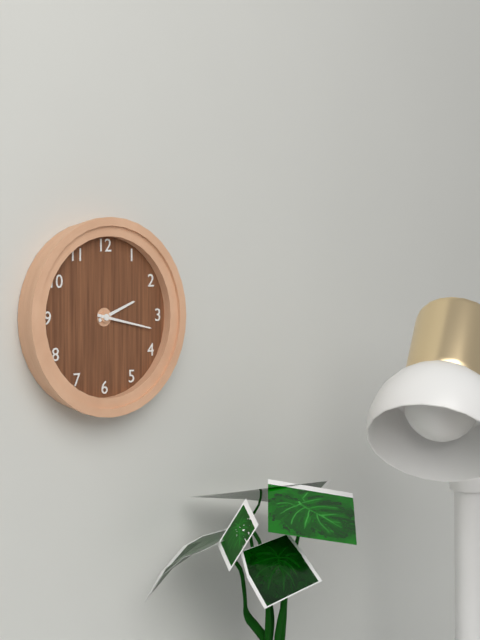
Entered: 2.17
